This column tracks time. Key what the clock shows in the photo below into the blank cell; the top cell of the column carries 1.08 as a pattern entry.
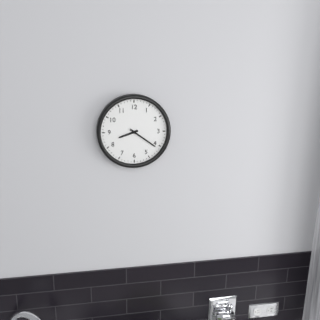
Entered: 8.21
